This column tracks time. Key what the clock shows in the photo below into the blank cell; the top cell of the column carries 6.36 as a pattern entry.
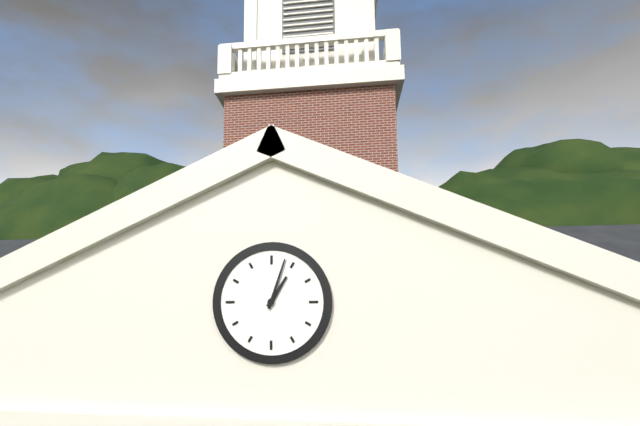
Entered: 1.03
